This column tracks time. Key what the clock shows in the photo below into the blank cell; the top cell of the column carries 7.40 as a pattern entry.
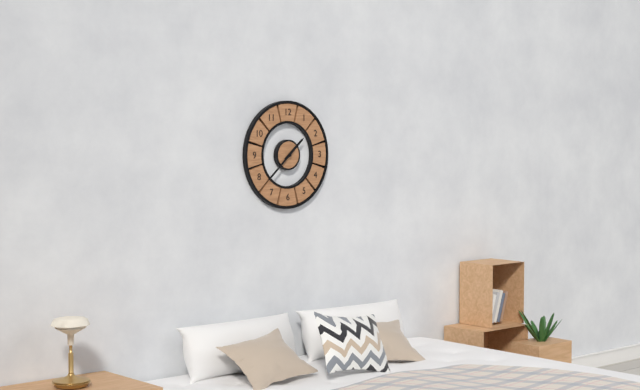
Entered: 1.38
